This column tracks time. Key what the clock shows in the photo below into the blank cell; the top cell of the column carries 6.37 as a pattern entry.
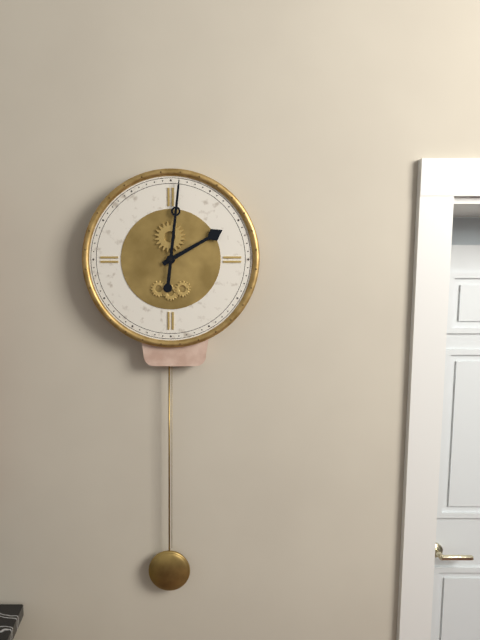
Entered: 2.01
